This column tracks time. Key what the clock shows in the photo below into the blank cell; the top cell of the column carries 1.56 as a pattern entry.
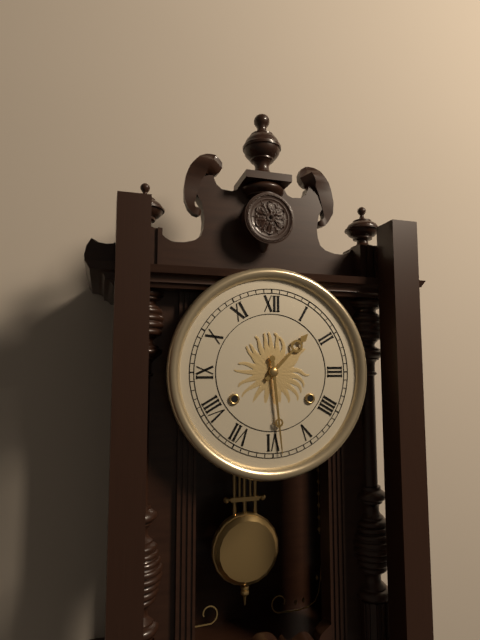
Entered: 1.29
